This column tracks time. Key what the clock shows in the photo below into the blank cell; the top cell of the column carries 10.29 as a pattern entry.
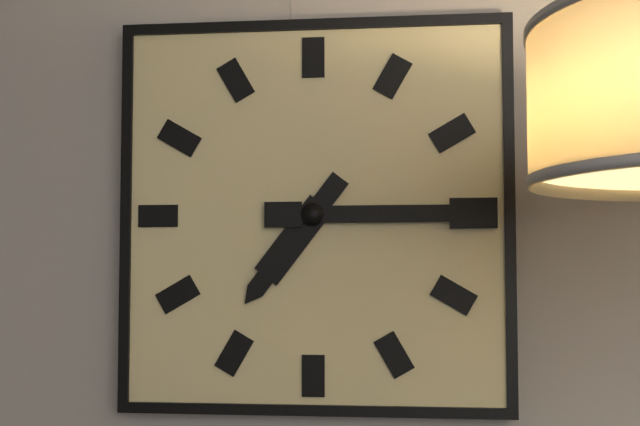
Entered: 7.15
